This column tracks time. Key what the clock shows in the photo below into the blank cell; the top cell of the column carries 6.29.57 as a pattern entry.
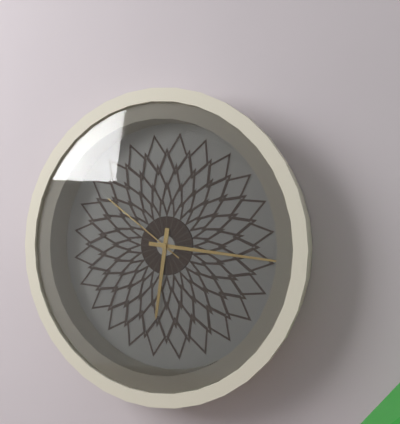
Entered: 6.16.51
